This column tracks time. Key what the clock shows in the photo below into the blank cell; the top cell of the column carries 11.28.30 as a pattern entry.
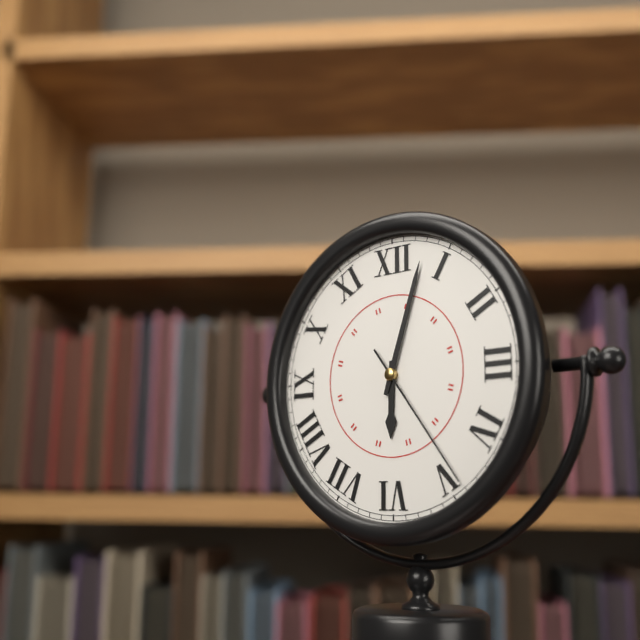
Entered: 6.03.24
